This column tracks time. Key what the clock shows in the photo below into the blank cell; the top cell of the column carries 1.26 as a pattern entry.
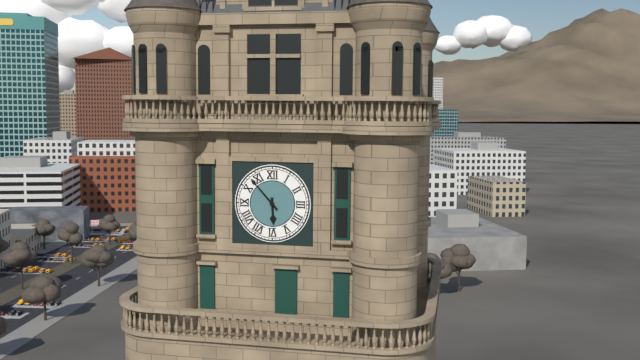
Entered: 5.53
